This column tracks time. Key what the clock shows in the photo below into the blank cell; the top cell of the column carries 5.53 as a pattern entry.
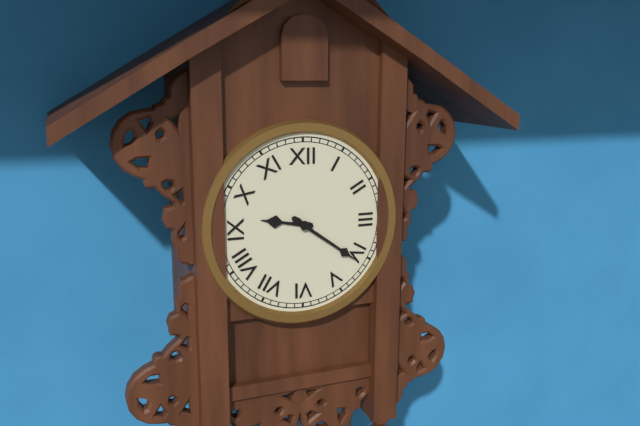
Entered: 9.21
